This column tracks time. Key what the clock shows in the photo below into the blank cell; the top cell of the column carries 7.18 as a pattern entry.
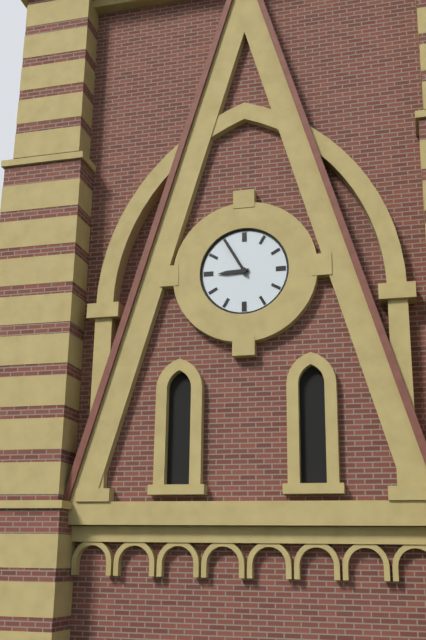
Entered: 8.55
